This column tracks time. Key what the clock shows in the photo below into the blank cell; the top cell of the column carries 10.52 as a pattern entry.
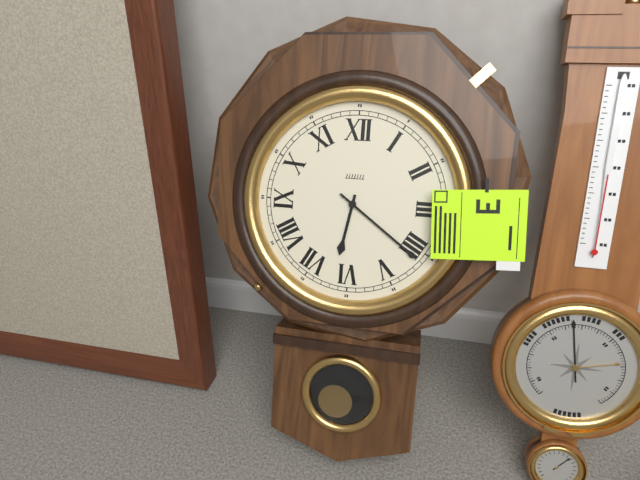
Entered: 6.21
